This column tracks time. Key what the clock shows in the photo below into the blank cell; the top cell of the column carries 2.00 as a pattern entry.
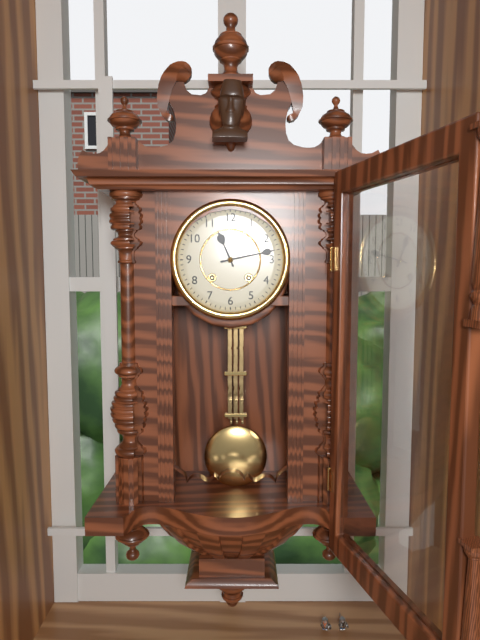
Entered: 11.13
